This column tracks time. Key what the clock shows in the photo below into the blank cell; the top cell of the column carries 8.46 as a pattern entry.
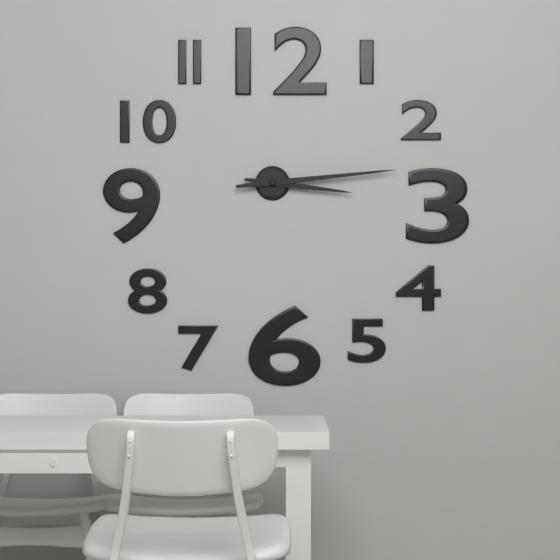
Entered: 3.14
